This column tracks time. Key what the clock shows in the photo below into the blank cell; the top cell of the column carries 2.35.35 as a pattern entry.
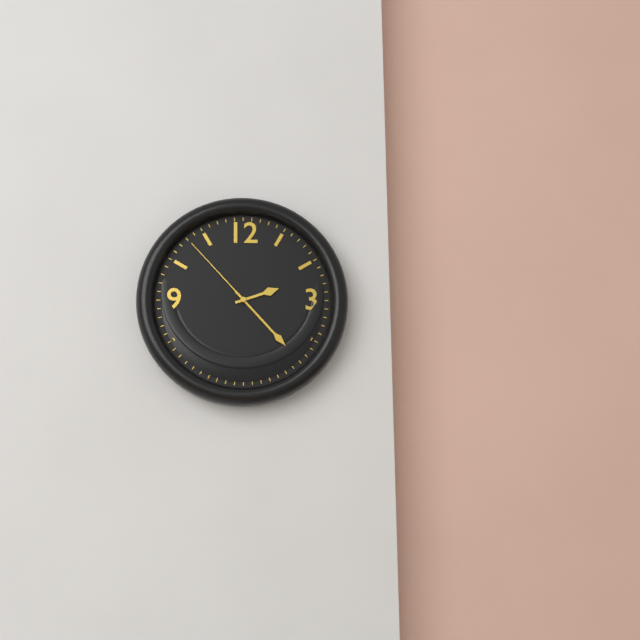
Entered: 2.23.53
